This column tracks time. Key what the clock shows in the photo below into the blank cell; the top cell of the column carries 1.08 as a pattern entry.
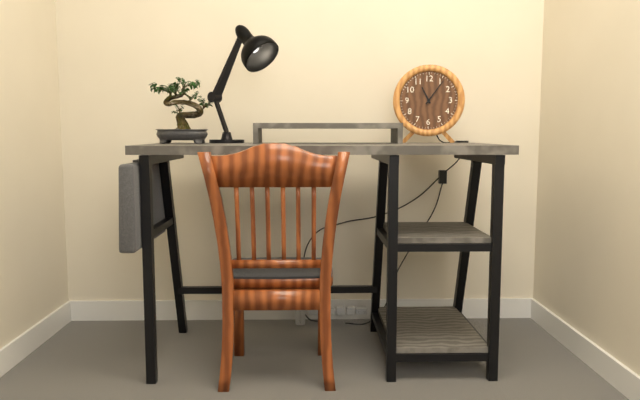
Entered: 11.06
